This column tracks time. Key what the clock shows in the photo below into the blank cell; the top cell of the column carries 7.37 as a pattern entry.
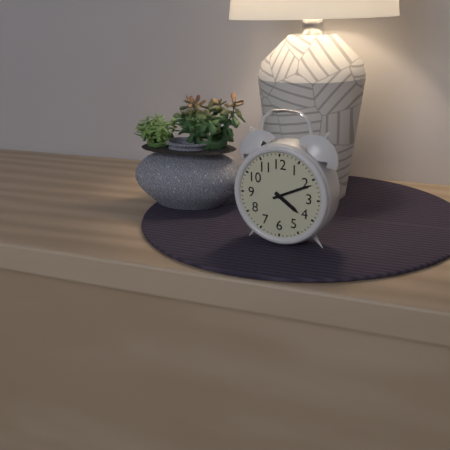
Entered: 4.11
